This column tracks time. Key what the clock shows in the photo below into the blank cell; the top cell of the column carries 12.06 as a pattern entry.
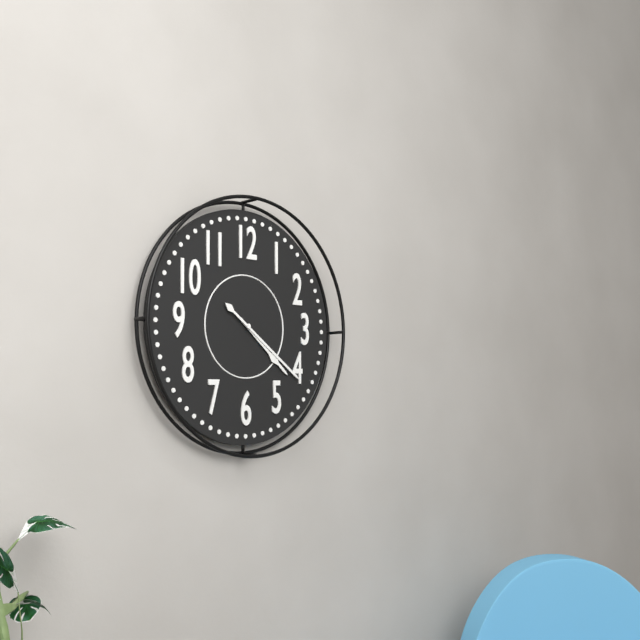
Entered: 4.21
